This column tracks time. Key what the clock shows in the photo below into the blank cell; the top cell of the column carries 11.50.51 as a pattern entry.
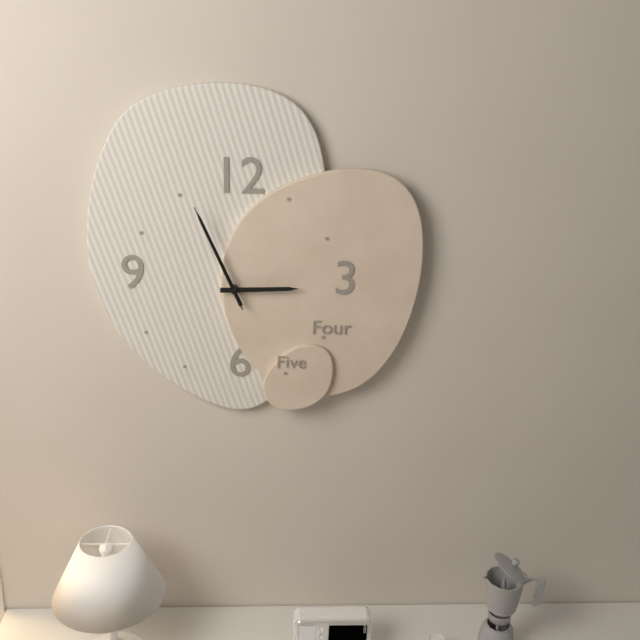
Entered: 2.56.56
